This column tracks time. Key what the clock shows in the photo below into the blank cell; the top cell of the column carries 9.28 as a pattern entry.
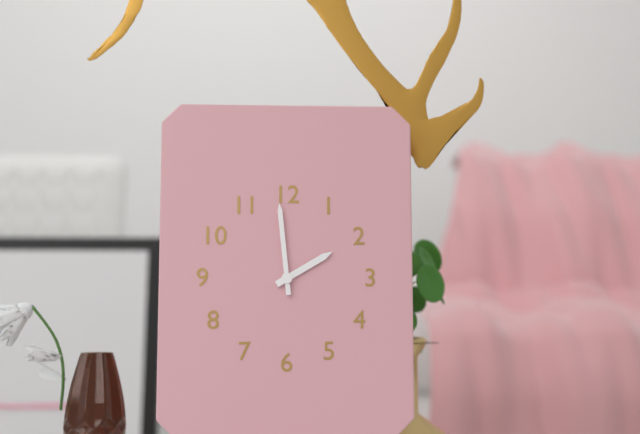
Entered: 1.59
